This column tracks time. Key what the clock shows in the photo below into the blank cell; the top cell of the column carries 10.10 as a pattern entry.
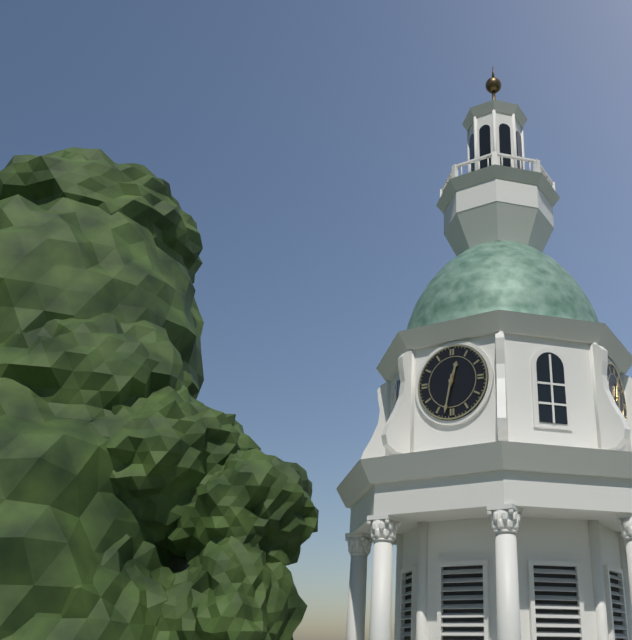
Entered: 12.32
